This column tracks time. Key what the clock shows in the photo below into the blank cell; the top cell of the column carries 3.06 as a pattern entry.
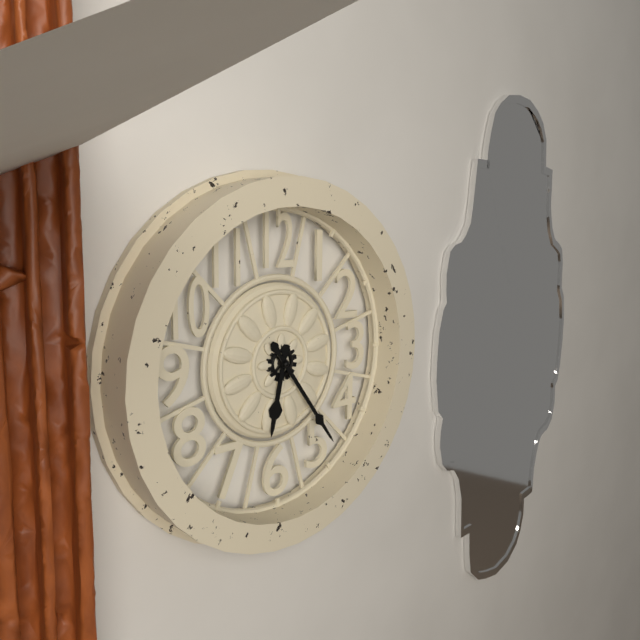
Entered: 6.24
